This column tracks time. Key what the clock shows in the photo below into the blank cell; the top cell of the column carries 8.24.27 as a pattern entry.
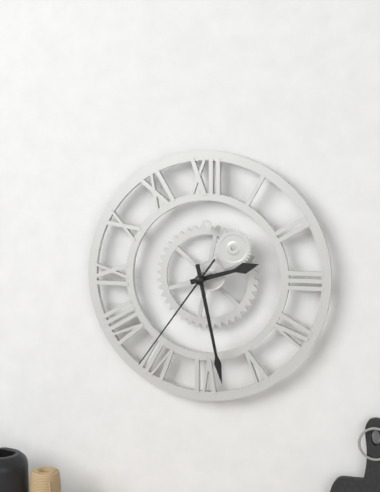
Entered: 2.28.36
